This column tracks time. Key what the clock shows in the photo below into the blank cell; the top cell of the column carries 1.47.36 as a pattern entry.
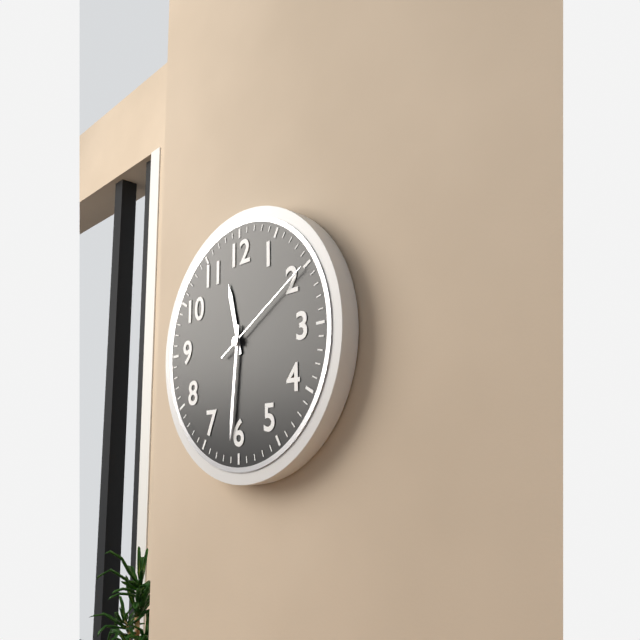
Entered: 11.31.10
